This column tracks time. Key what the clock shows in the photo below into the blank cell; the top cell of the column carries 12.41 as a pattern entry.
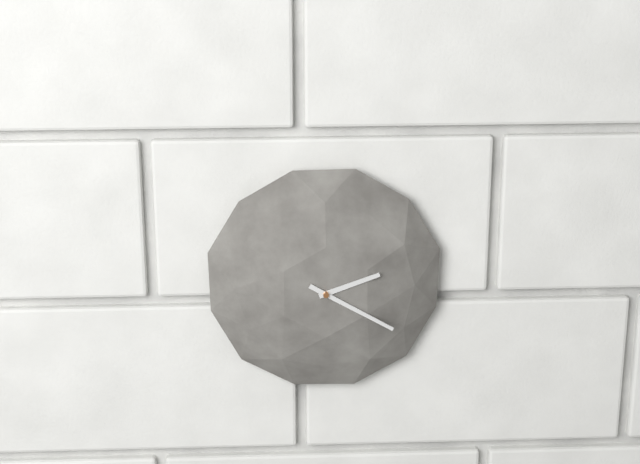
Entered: 2.20
